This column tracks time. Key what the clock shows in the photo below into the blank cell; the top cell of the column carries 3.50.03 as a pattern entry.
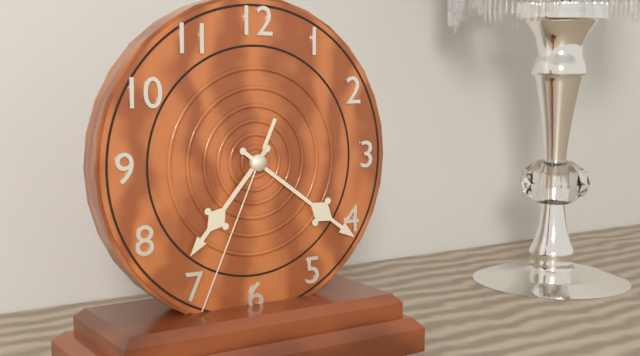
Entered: 7.21.34
